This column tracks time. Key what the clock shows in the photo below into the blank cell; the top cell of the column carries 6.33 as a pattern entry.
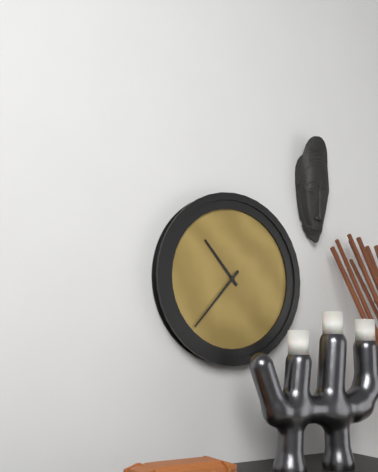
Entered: 10.37
